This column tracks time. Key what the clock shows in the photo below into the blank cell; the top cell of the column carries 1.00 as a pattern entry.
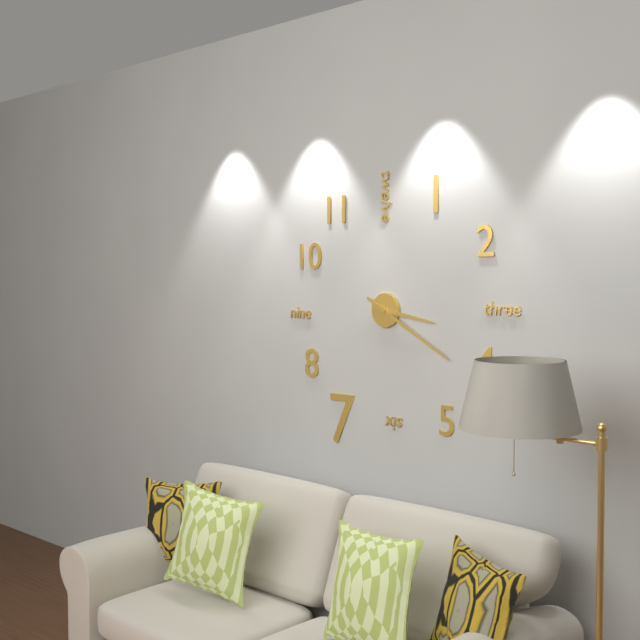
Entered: 3.20
